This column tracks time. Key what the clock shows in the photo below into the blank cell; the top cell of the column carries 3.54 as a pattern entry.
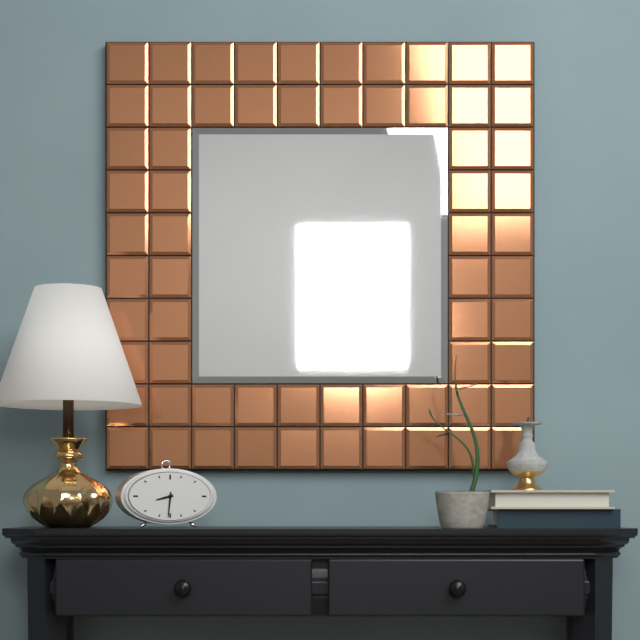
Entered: 8.31
